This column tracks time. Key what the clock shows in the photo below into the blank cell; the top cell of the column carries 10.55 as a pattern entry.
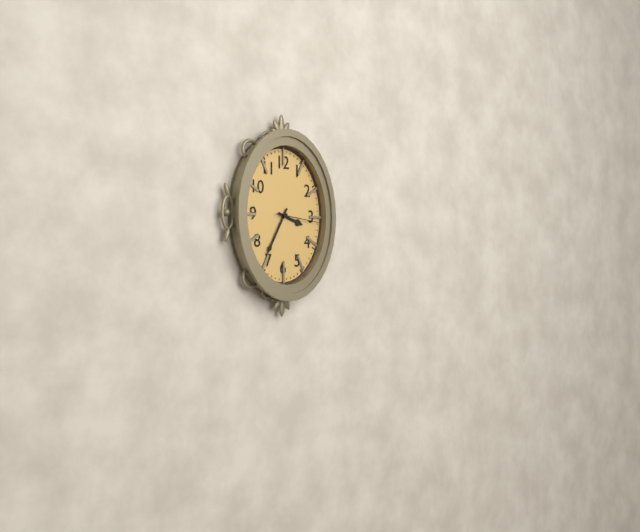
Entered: 3.35
